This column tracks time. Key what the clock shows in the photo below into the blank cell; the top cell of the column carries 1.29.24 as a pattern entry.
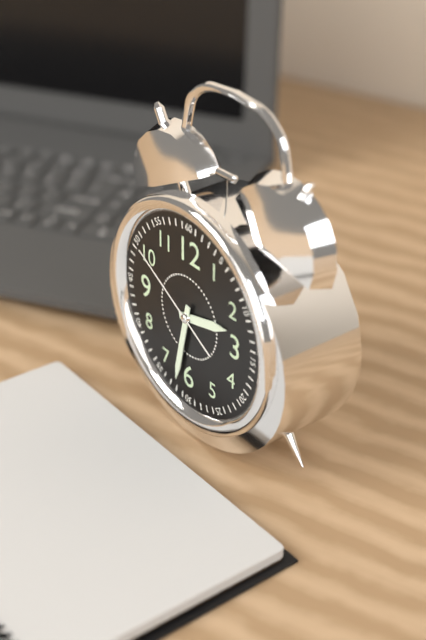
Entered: 2.32.50
